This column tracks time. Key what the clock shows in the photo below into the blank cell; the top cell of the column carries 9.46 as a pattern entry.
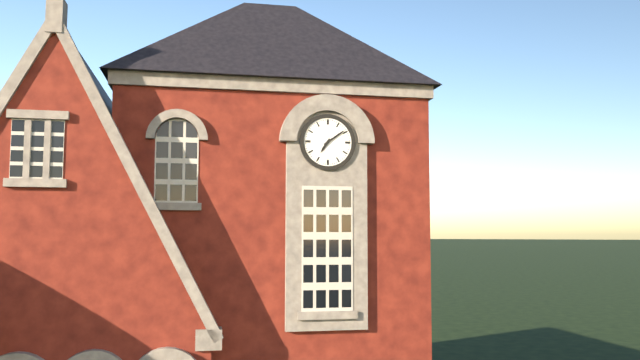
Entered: 7.09
